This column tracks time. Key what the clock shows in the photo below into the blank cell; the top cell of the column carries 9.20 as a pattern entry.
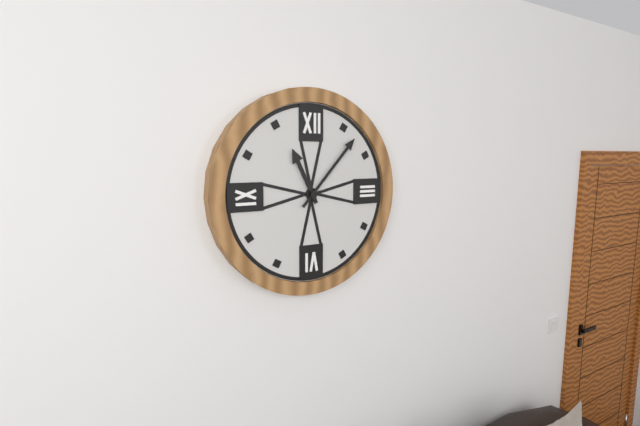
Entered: 11.07
